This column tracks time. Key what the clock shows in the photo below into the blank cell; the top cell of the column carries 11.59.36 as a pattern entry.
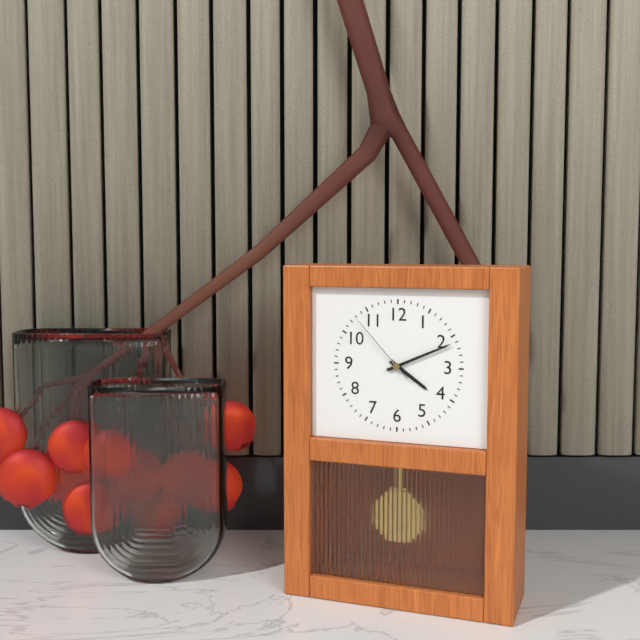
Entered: 4.11.53
